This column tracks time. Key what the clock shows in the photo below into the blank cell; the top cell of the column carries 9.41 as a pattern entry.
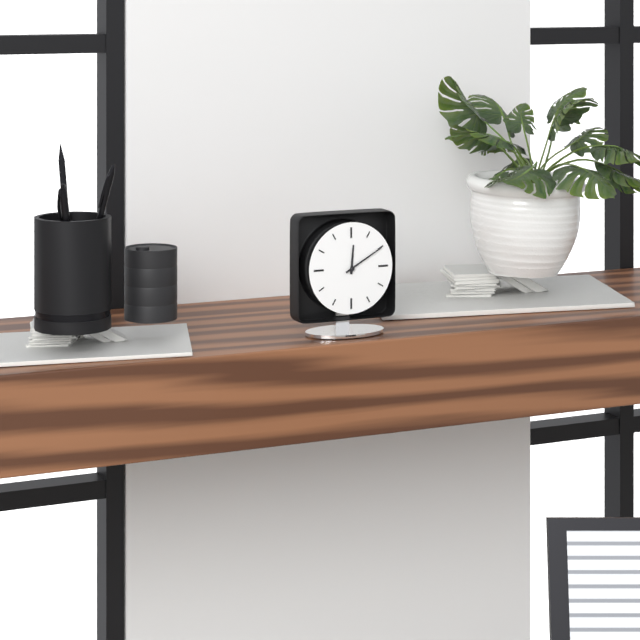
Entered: 12.10
